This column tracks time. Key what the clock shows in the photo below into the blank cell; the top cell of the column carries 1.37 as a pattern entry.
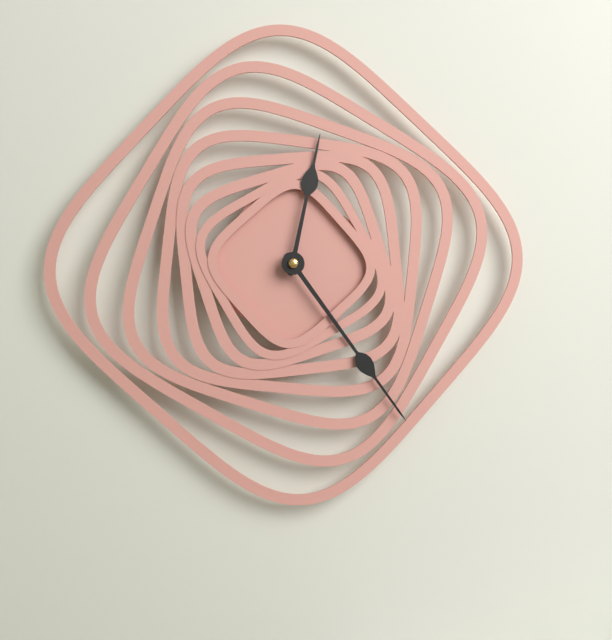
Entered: 12.24
